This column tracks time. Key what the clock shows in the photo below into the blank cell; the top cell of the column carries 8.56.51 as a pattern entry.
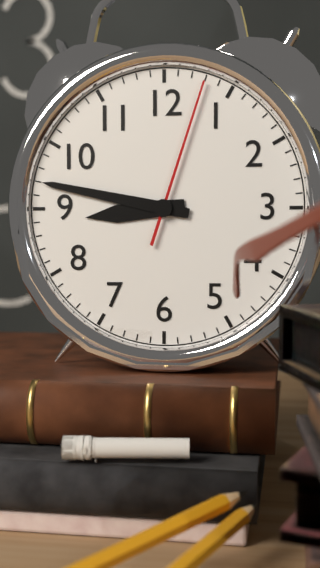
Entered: 8.47.03
